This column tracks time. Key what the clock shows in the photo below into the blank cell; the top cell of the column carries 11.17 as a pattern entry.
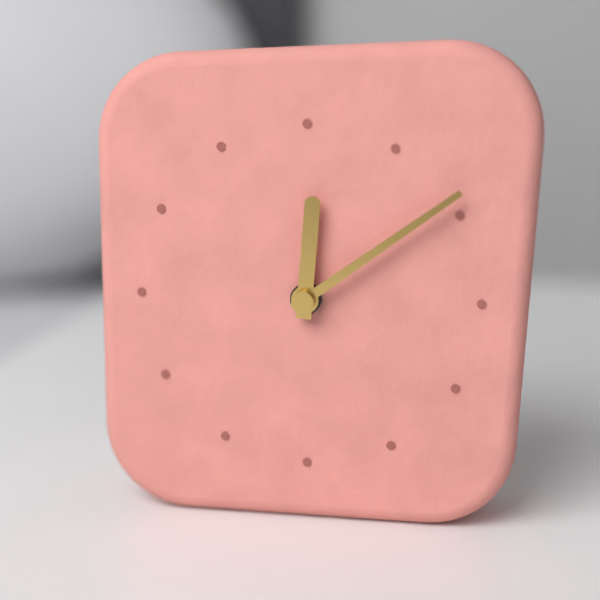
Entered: 12.09
